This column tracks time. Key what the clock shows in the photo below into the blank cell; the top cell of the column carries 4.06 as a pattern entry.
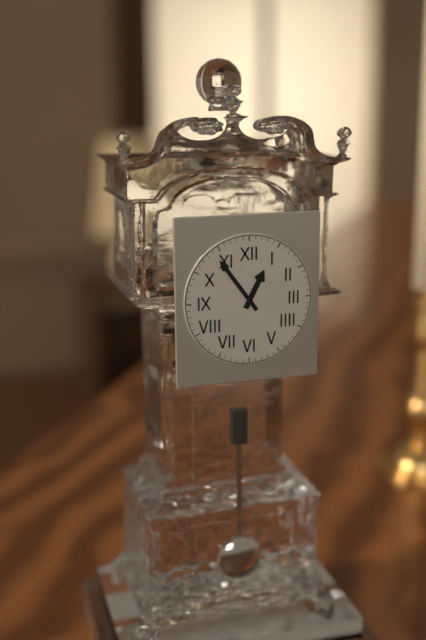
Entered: 12.54
